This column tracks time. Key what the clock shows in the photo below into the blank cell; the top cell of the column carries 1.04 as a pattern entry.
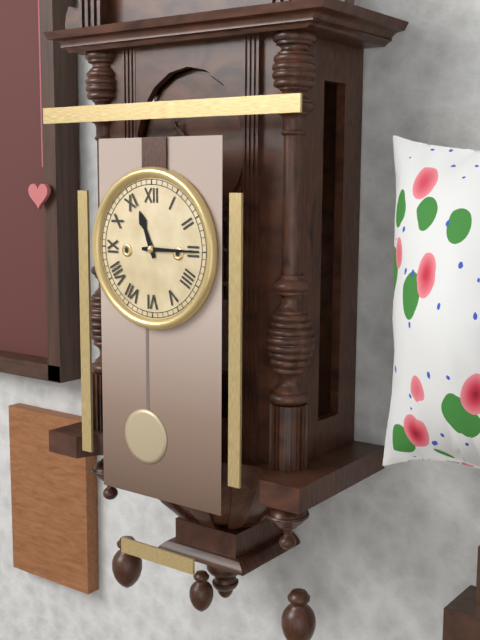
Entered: 11.15
